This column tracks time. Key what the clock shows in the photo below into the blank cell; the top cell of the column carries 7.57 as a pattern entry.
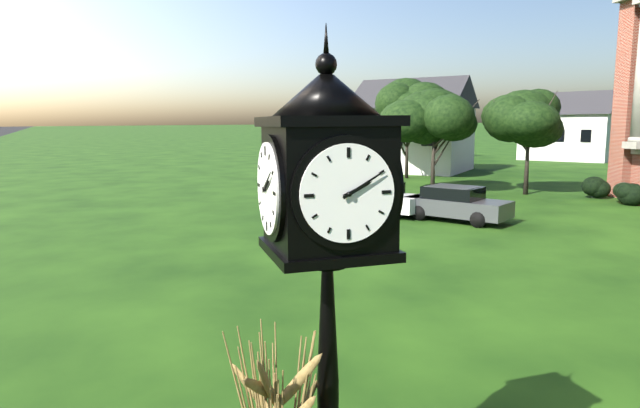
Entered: 2.10
